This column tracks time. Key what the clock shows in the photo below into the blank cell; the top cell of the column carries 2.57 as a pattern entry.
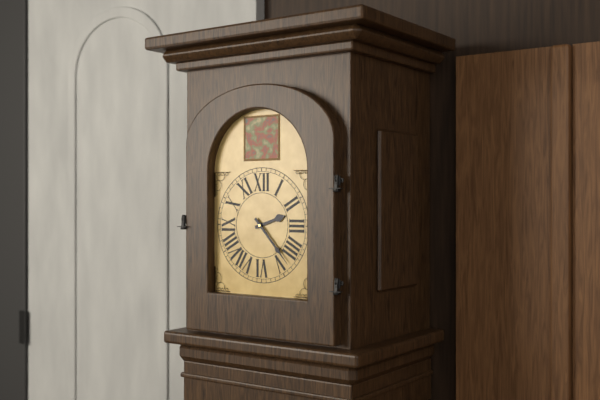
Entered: 2.23
